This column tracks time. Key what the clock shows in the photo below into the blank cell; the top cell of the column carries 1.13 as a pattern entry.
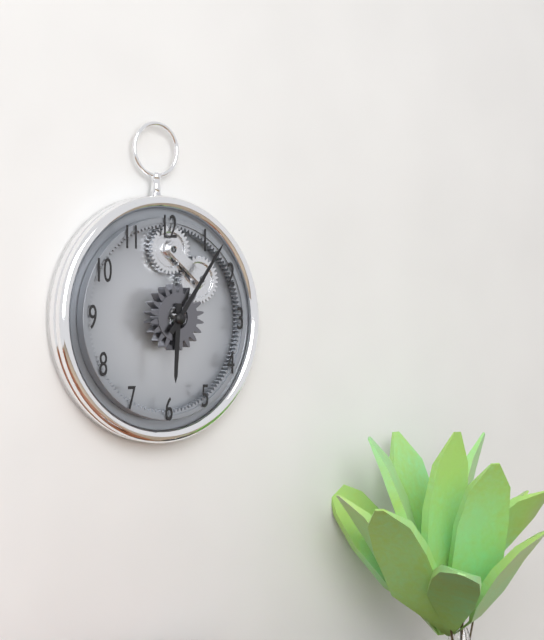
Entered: 6.06
